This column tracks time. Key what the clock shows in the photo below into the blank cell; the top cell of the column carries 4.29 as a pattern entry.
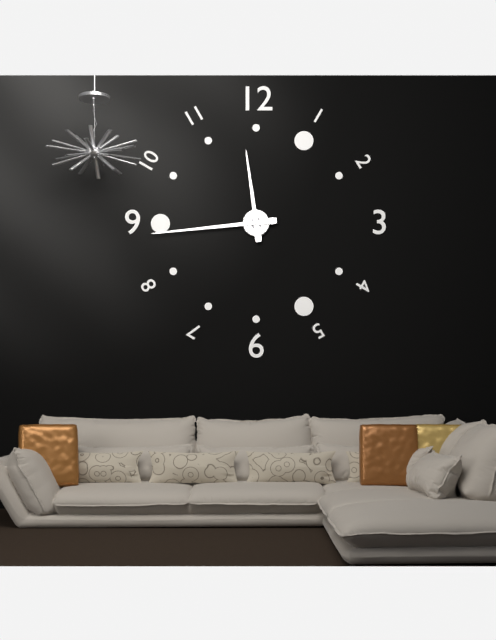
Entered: 11.44
